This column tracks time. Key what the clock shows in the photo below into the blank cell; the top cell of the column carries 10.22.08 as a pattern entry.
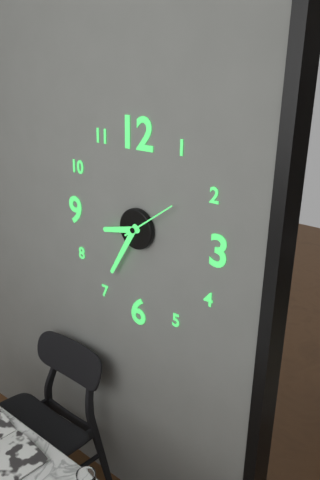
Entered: 8.35.09
